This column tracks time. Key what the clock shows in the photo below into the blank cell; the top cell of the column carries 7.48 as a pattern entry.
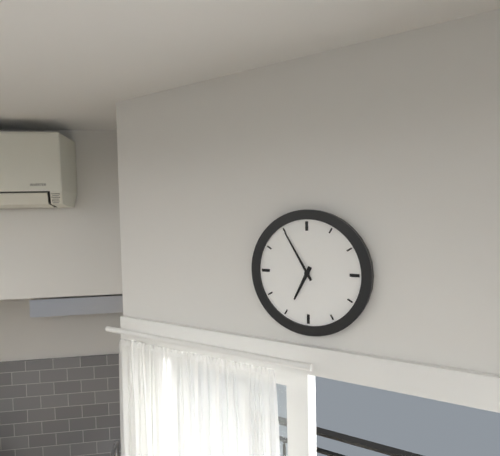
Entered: 6.55
